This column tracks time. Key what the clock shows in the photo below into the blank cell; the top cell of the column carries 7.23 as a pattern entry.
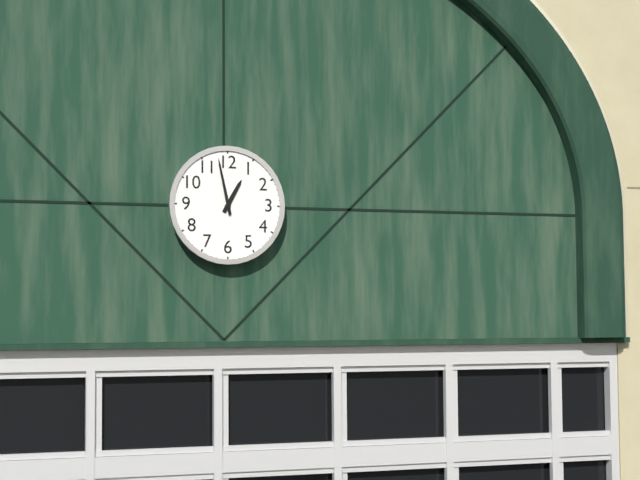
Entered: 12.58
